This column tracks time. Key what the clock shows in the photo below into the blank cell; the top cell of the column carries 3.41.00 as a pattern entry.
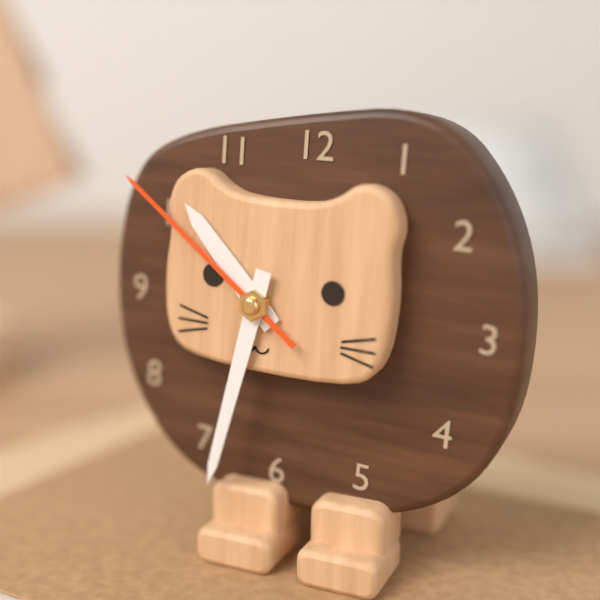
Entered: 10.32.51
